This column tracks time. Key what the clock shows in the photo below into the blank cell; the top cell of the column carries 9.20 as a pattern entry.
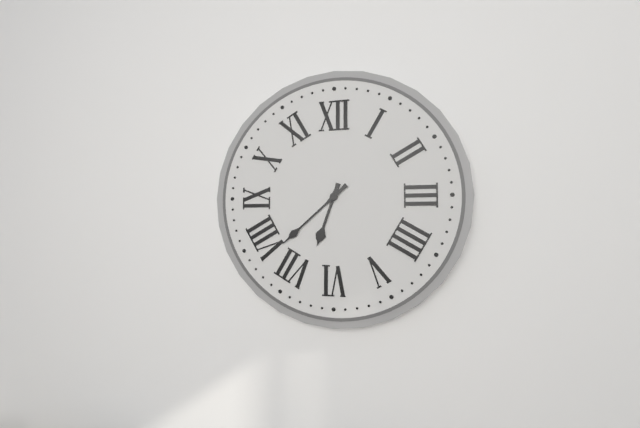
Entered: 6.38
